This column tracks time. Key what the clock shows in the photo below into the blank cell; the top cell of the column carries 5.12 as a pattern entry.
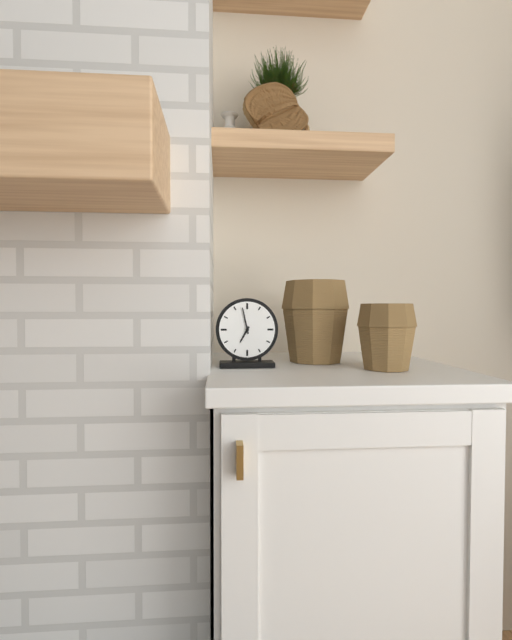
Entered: 6.58
